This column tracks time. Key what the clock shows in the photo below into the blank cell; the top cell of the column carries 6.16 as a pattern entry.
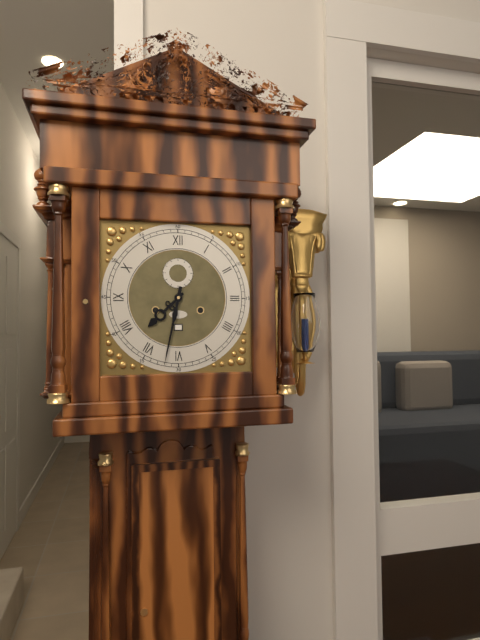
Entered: 7.32
